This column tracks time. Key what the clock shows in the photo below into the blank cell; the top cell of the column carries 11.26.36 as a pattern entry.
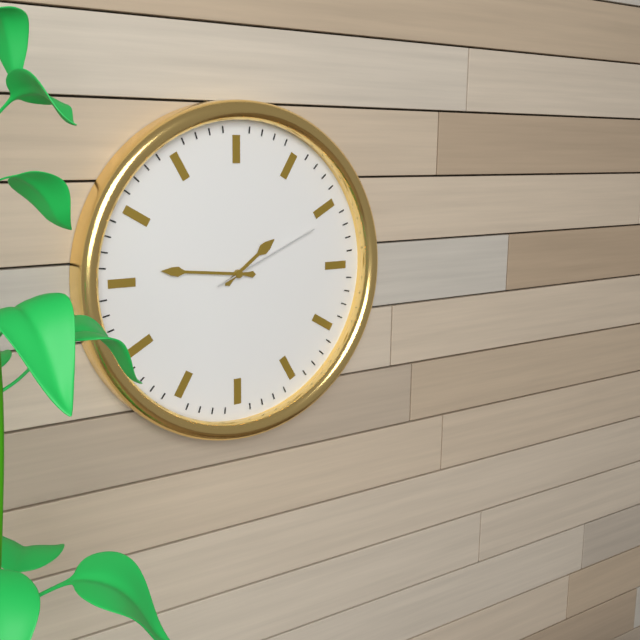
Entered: 1.46.11
